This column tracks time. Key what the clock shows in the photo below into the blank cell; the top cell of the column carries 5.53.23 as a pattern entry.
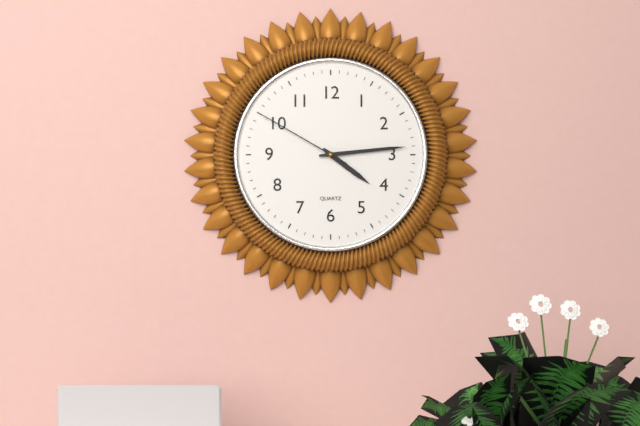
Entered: 4.14.50
